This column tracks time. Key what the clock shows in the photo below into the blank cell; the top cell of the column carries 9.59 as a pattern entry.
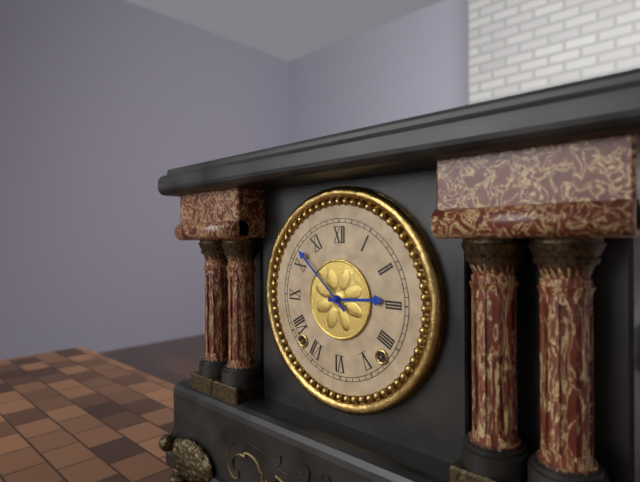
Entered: 2.52
